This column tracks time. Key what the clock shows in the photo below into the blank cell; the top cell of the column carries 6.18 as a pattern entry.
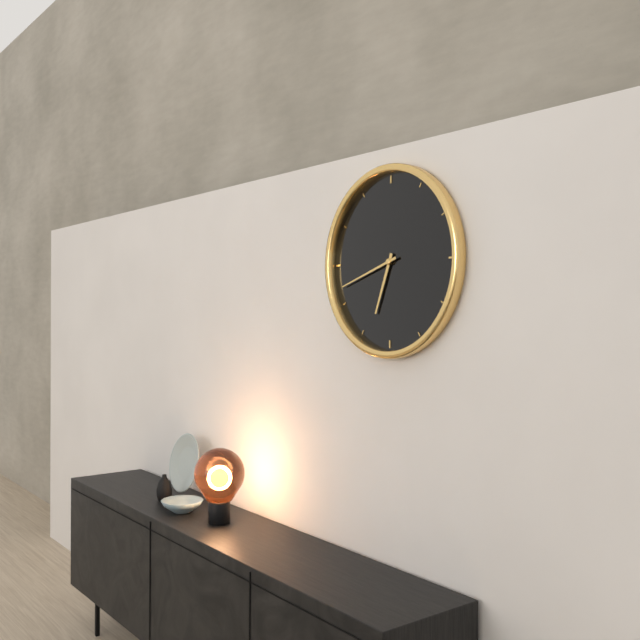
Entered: 6.42
